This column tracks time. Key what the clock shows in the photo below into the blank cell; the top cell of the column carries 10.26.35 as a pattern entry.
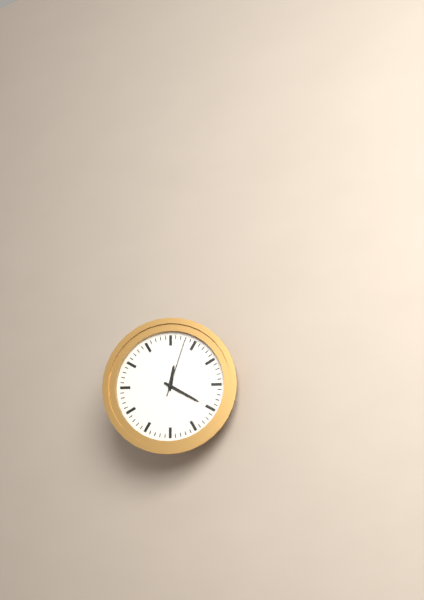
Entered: 12.20.03
